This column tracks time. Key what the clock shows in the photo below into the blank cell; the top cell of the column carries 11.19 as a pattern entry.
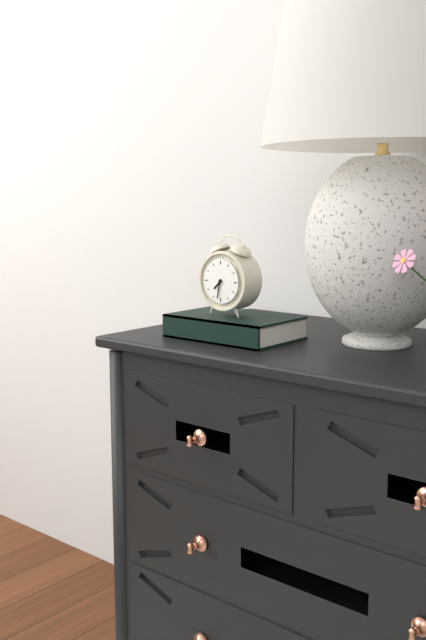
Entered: 7.32
